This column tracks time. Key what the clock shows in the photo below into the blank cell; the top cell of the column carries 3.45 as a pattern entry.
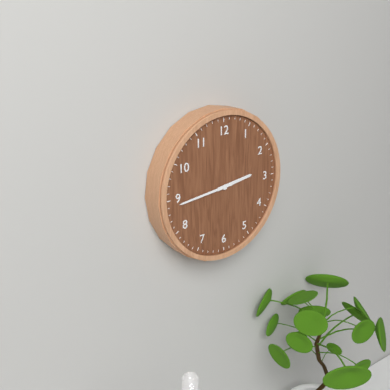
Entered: 2.44
